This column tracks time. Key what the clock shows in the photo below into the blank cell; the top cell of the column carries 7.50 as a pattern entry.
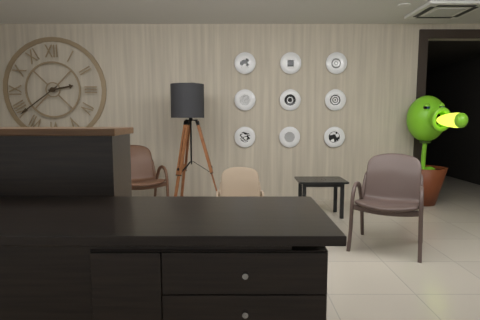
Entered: 2.39
